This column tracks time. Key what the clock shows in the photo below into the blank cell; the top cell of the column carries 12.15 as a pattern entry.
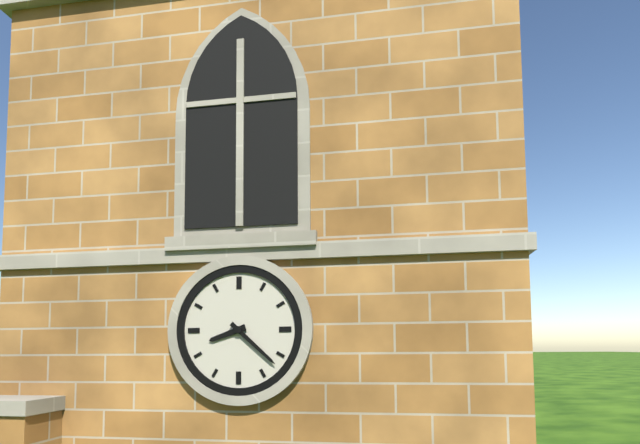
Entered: 8.22
